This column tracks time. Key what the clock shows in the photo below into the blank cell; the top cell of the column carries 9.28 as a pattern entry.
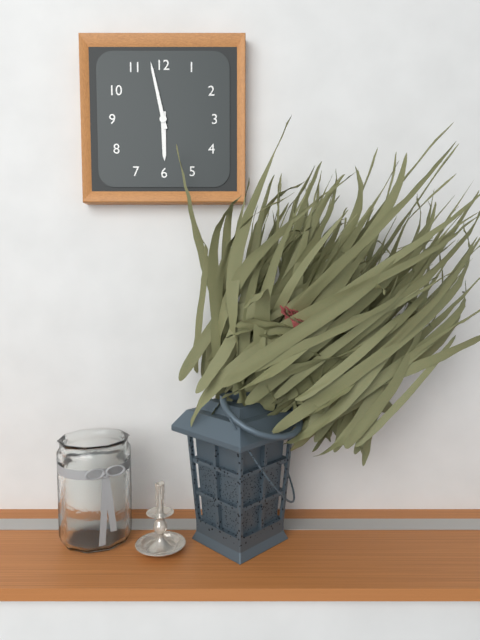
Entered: 5.58
